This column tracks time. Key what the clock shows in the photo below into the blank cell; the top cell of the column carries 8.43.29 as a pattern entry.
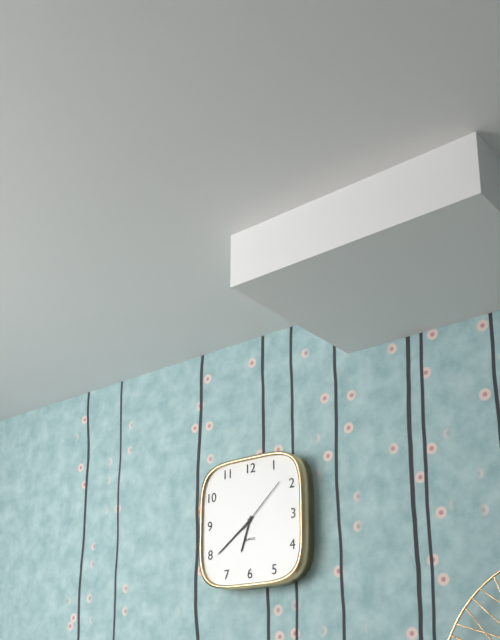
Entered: 6.39.08
